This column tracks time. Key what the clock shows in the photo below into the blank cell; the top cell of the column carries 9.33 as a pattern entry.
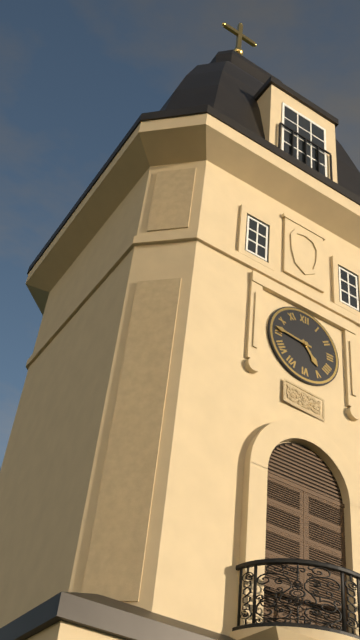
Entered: 4.46
